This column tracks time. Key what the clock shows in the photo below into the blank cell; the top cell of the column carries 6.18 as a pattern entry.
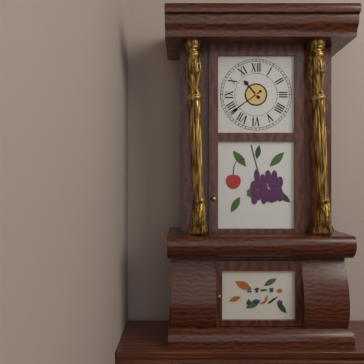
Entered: 10.39
